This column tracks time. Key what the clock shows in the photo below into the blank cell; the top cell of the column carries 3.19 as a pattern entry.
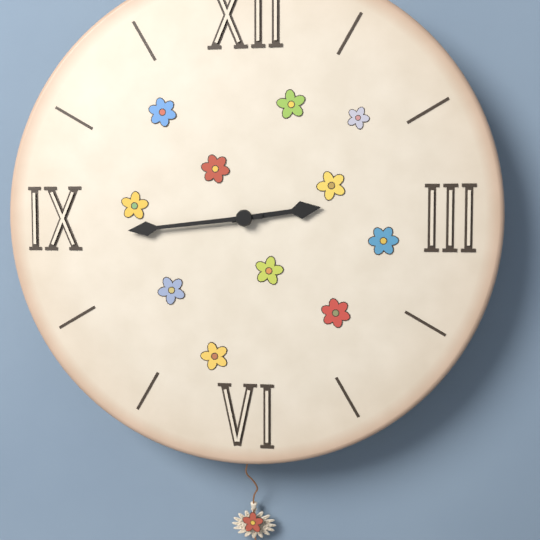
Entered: 2.44
